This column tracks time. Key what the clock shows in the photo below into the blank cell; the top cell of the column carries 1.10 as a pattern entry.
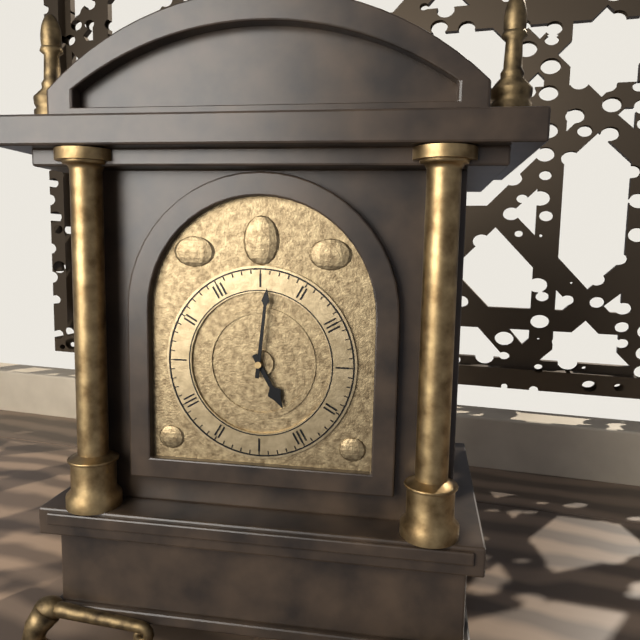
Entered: 5.01
